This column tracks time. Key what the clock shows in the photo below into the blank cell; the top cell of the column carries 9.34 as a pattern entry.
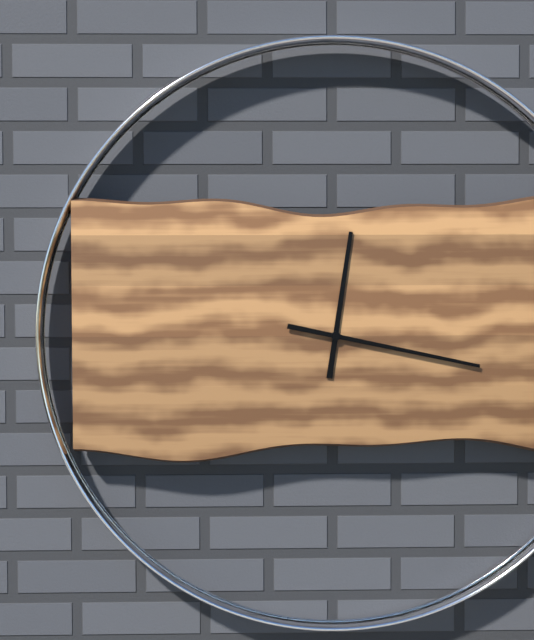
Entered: 12.17
